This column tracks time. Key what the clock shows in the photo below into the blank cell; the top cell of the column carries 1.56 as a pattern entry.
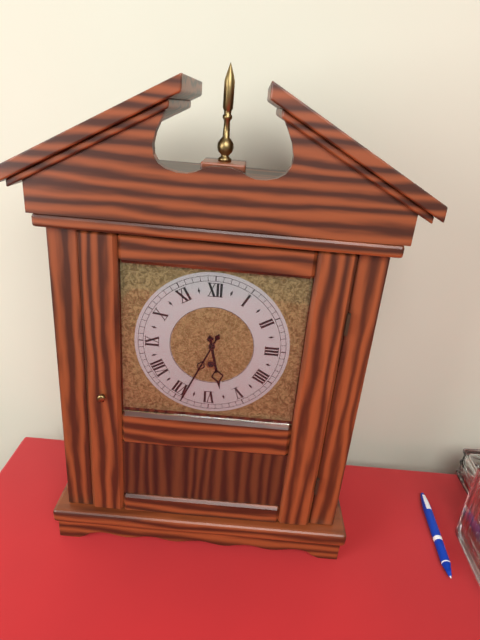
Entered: 5.34
